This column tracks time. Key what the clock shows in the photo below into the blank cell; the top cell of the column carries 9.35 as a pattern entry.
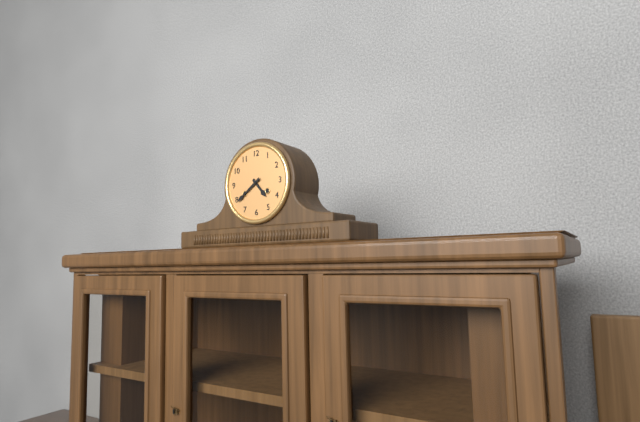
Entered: 4.39
